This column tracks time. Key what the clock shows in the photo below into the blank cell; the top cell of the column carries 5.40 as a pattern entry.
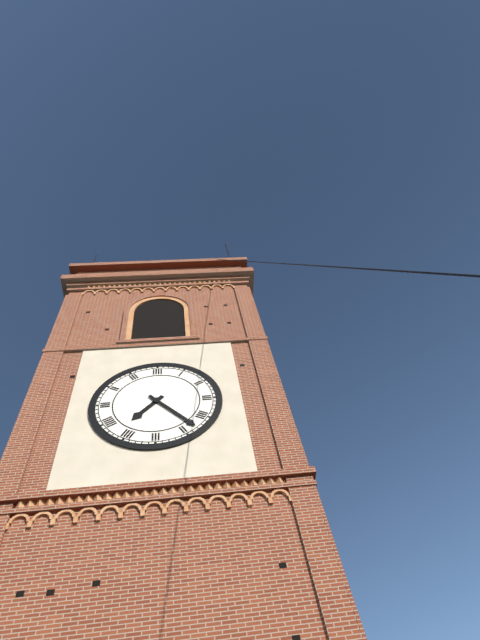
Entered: 7.23
